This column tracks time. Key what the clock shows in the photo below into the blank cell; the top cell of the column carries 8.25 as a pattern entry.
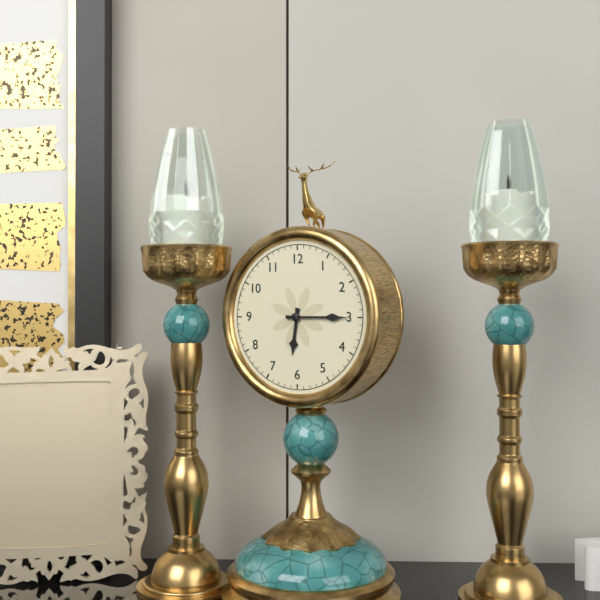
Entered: 6.15
